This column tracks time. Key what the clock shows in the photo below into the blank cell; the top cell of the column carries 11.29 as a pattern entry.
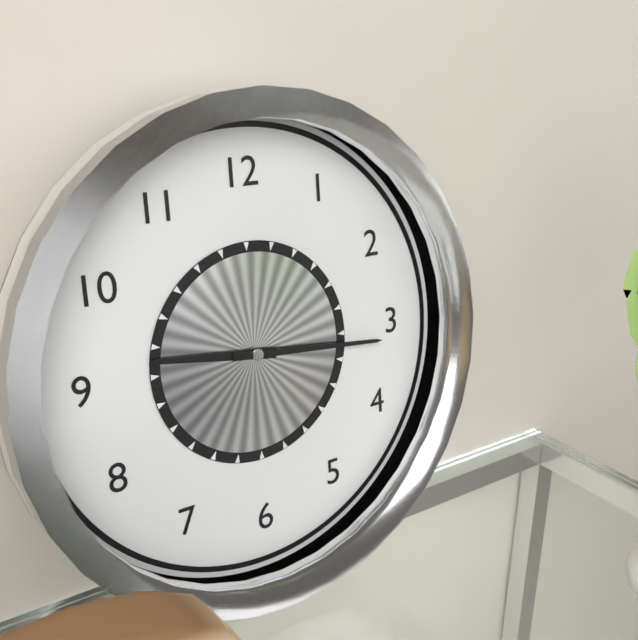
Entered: 9.16
